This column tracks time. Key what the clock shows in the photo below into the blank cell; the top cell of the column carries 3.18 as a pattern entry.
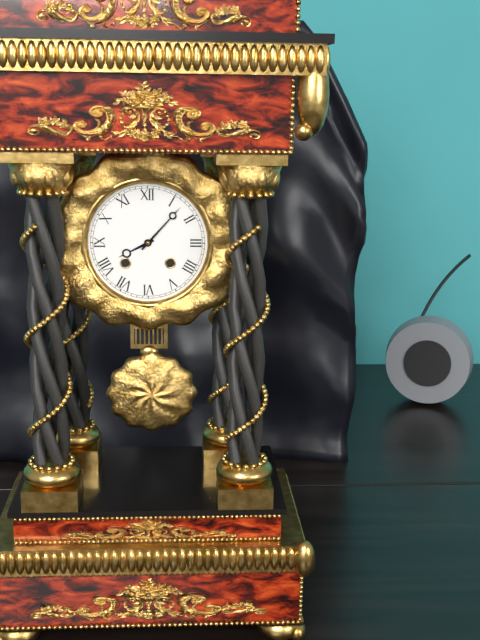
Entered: 8.07
